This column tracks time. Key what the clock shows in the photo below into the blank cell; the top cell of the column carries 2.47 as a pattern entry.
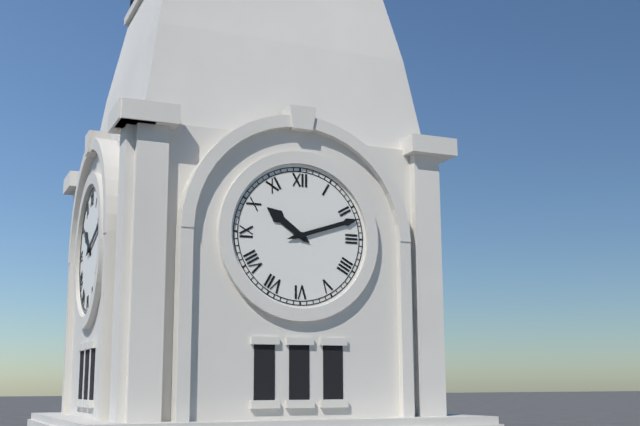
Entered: 10.12
